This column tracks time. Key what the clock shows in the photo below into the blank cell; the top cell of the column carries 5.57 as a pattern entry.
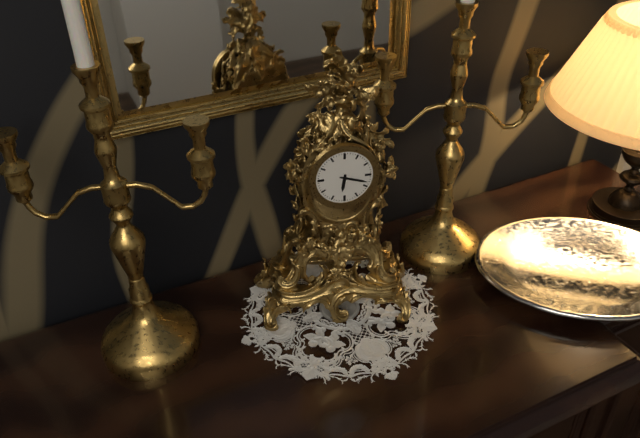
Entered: 6.18
